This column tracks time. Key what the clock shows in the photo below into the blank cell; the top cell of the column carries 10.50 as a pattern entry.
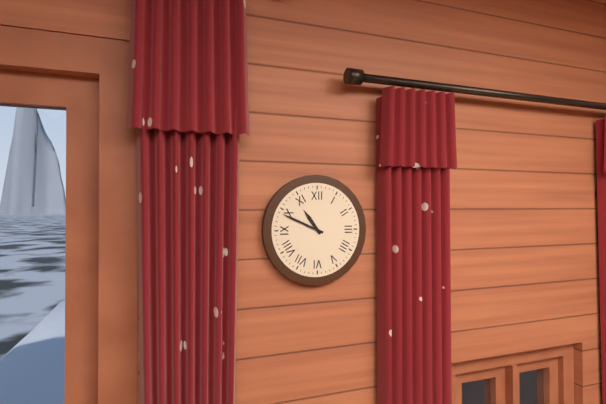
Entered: 10.49
